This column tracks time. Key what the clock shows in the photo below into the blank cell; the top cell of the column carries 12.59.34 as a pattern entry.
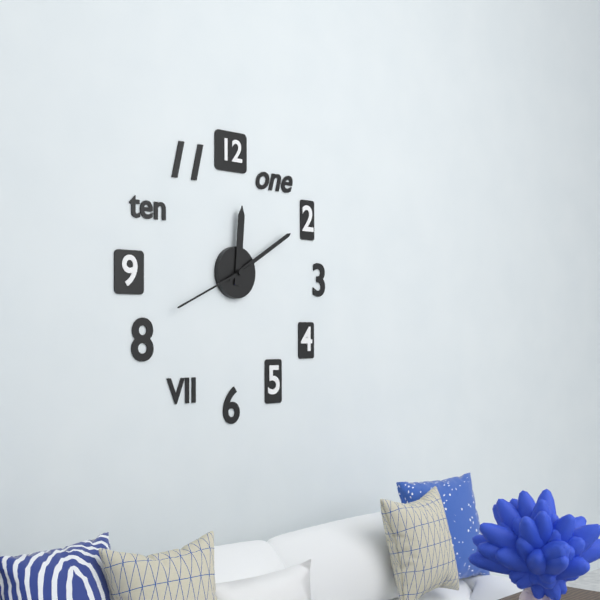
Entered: 12.10.41
